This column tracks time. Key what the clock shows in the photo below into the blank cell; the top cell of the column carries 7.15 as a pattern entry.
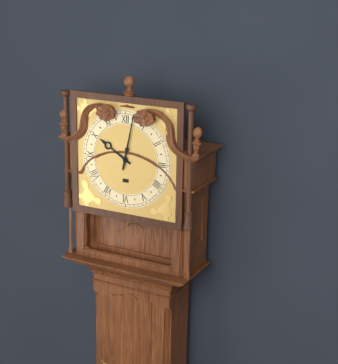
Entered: 10.02
